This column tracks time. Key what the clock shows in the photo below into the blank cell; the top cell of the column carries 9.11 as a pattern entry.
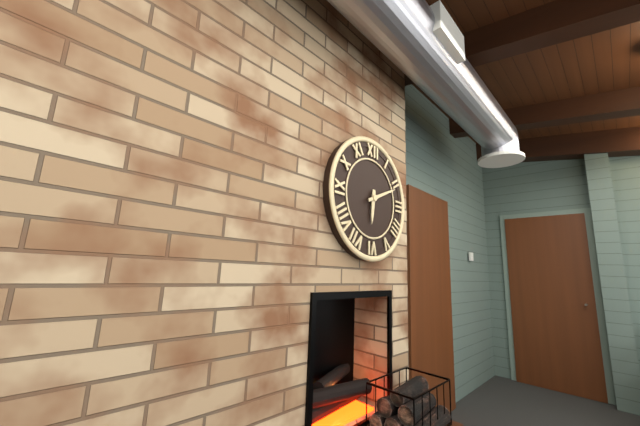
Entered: 6.11
